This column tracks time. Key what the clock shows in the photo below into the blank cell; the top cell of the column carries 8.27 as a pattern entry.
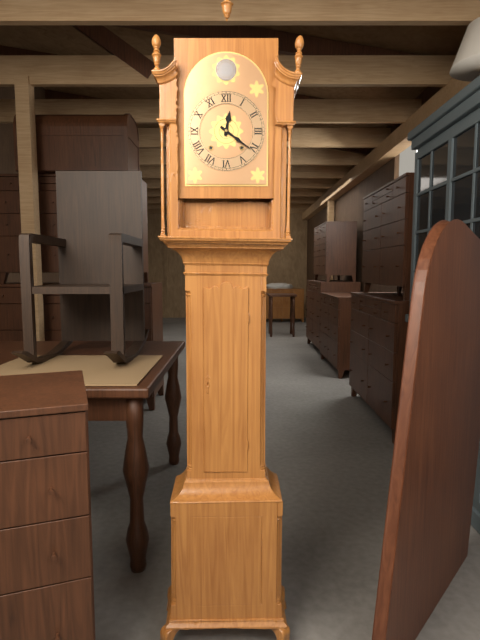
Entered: 12.21
